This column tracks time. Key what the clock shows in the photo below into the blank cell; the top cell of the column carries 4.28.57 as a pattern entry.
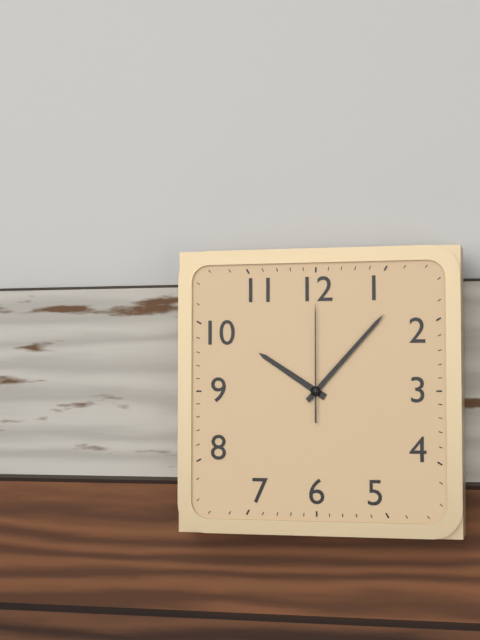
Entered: 10.07.00
